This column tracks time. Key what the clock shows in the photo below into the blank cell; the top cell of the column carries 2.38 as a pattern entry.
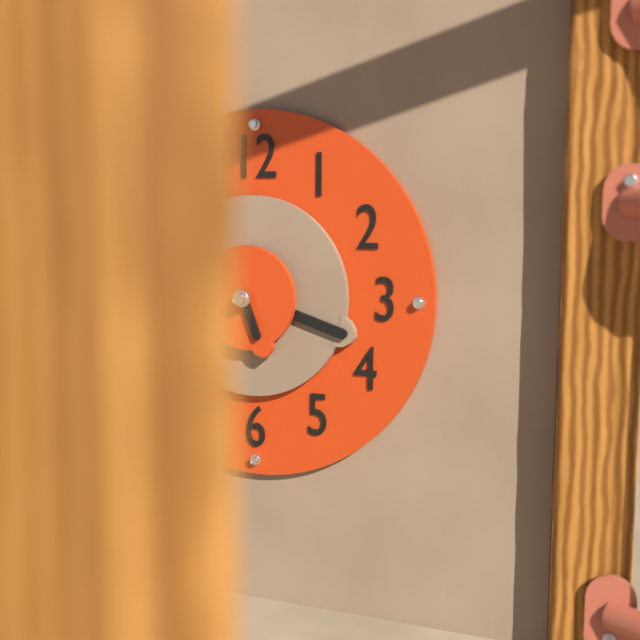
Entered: 5.18
